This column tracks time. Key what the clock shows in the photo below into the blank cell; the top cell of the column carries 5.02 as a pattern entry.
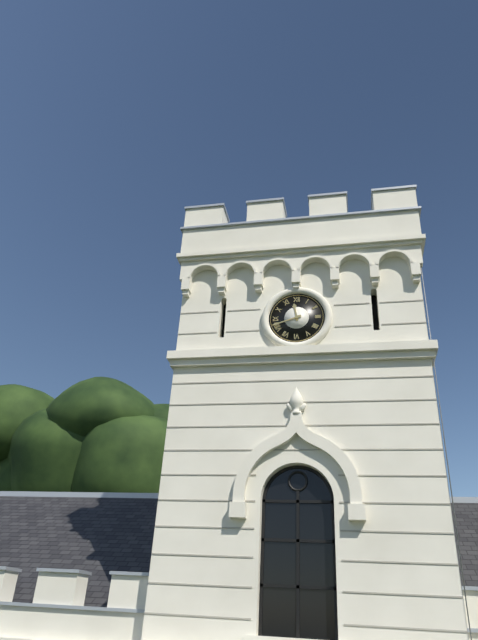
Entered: 11.42
